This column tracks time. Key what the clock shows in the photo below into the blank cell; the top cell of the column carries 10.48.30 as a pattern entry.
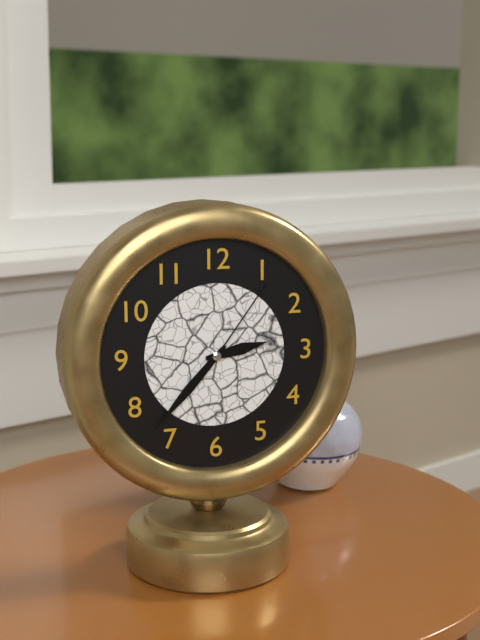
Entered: 2.37.06
